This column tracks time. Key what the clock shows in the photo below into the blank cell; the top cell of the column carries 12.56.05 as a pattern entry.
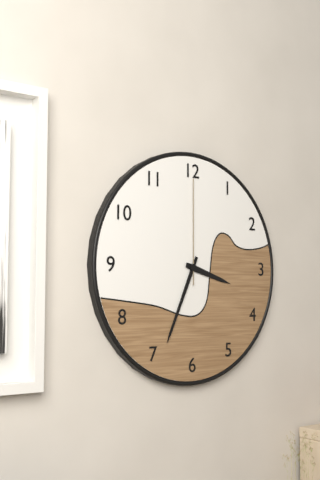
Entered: 3.34.00
